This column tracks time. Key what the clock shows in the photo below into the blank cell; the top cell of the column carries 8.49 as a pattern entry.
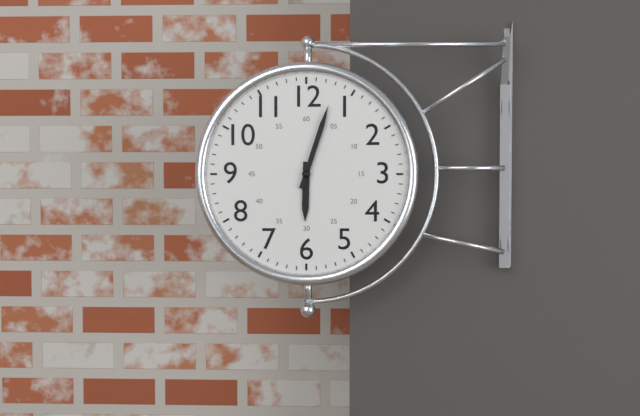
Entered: 6.03
